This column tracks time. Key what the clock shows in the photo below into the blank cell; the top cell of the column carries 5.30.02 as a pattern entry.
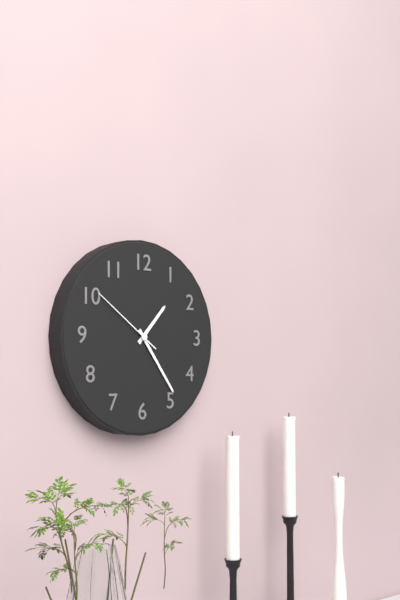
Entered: 1.24.51
